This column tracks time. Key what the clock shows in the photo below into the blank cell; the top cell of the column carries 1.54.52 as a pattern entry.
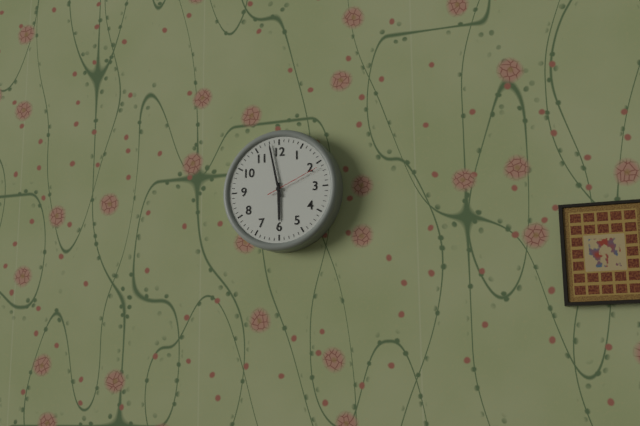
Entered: 5.58.11
